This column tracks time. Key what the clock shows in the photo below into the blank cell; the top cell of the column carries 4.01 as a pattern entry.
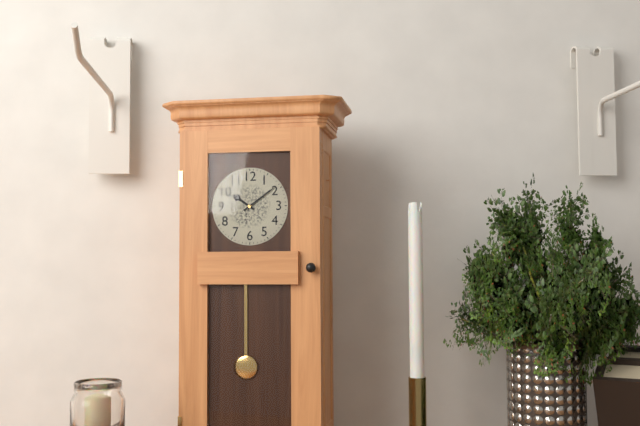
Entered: 10.09
